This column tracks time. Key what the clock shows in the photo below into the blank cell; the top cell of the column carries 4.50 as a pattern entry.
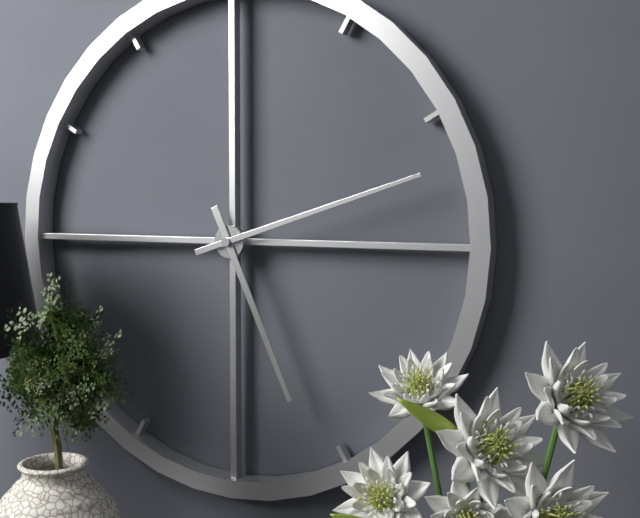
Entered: 5.12
